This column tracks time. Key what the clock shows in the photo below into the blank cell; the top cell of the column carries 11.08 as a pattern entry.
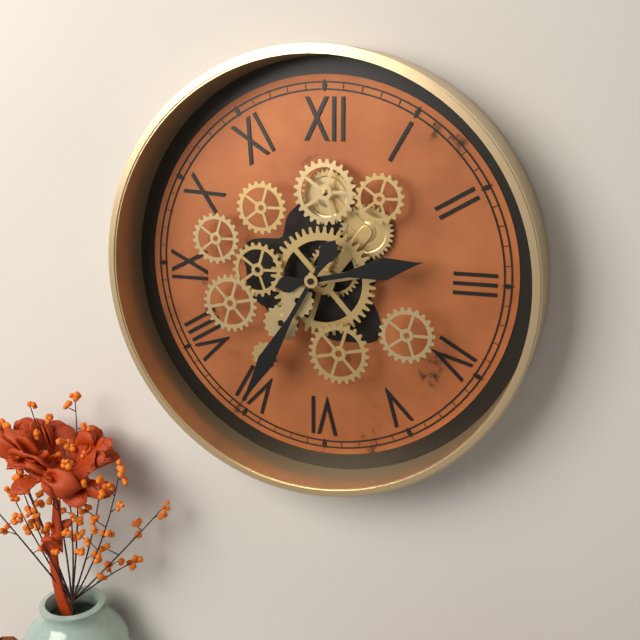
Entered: 2.35
